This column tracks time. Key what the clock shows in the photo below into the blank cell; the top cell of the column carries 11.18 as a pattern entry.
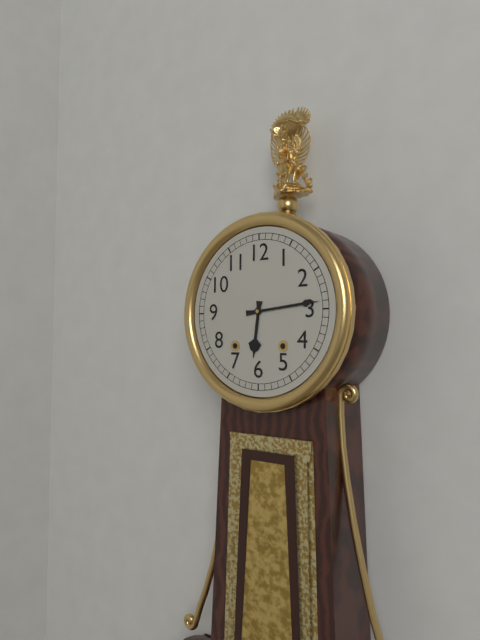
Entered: 6.14
